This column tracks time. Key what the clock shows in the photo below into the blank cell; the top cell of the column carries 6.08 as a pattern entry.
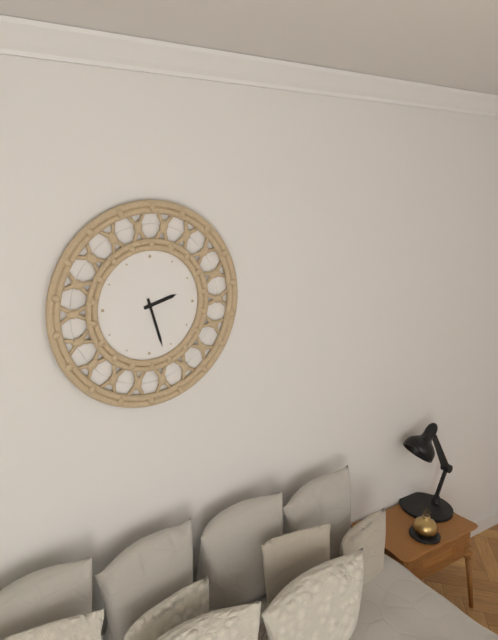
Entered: 2.27
